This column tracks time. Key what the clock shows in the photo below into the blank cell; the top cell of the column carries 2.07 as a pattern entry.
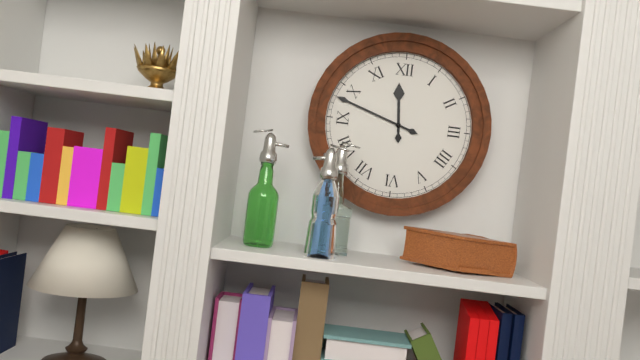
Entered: 11.48
